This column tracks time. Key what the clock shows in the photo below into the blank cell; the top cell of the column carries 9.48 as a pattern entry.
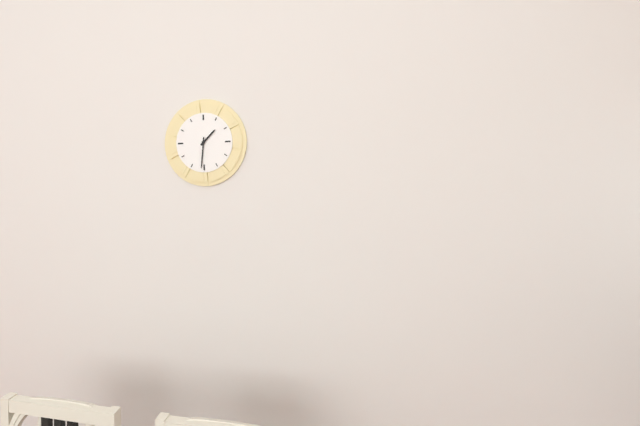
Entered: 1.31
